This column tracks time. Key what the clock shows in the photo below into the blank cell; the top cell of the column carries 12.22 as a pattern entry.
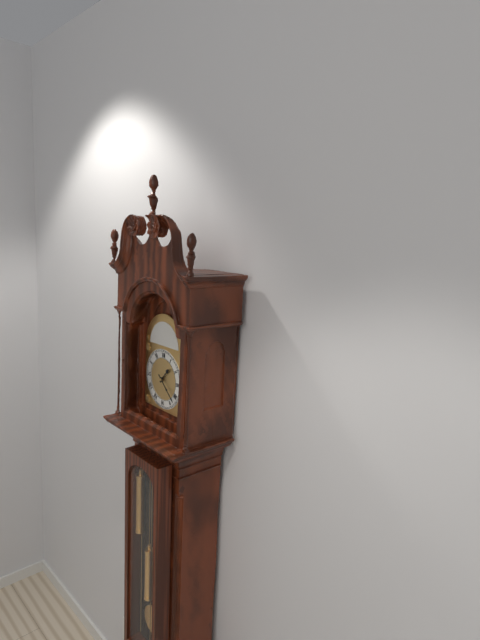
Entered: 1.22
